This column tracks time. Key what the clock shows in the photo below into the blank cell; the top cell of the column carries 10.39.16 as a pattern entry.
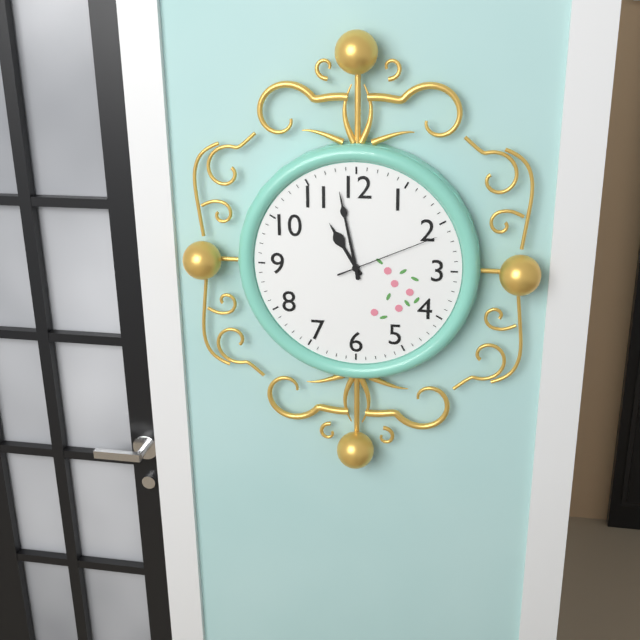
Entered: 10.58.11
